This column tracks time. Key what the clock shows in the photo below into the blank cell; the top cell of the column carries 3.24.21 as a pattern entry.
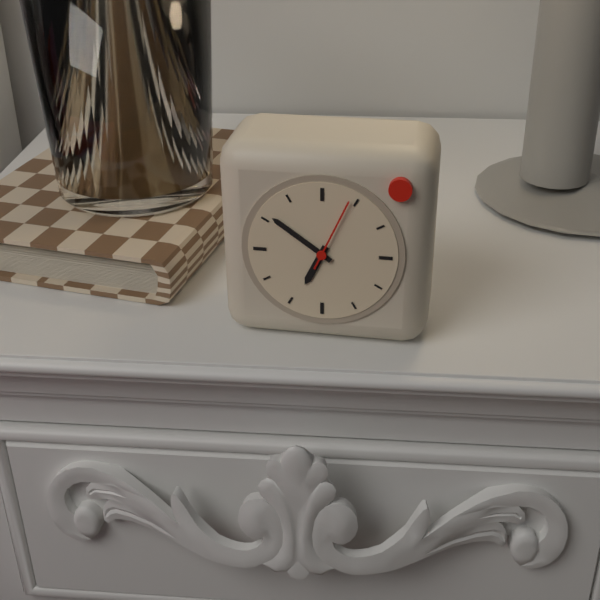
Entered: 6.51.04
